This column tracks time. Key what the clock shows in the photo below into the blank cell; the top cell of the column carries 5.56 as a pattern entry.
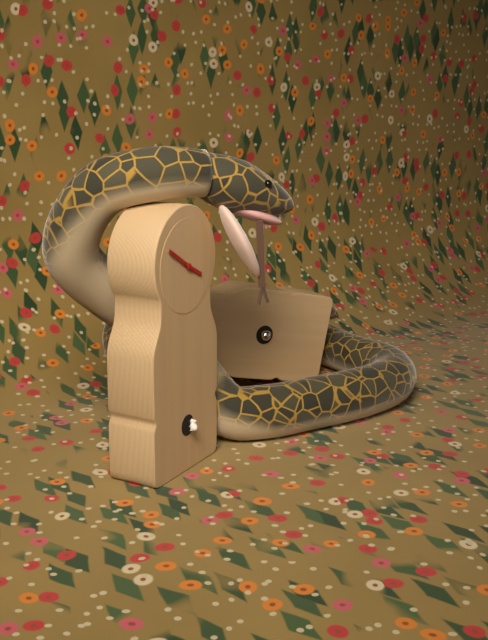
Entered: 3.50
